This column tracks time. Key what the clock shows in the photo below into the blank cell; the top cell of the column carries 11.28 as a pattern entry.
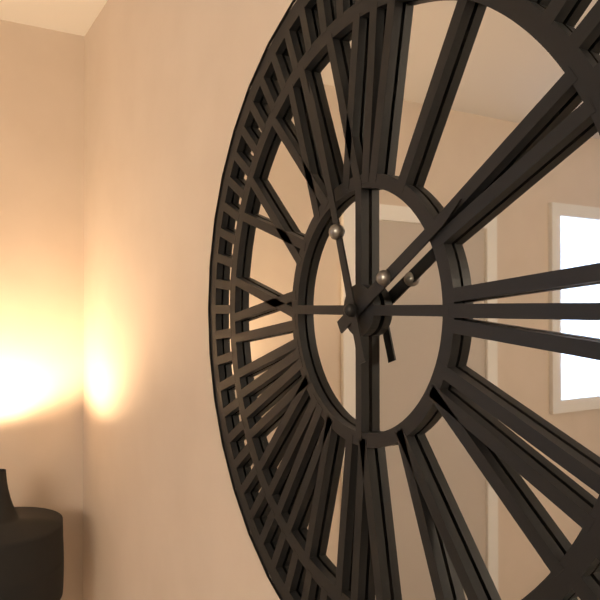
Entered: 1.57
